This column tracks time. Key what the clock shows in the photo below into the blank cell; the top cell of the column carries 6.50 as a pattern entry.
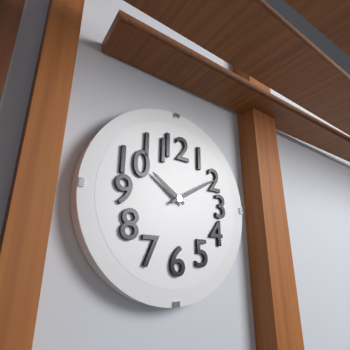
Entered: 10.10
